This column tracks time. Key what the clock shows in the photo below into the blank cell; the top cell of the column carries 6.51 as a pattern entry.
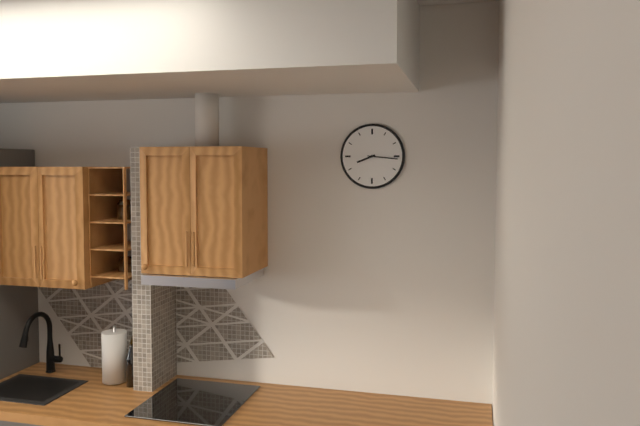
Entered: 8.16
